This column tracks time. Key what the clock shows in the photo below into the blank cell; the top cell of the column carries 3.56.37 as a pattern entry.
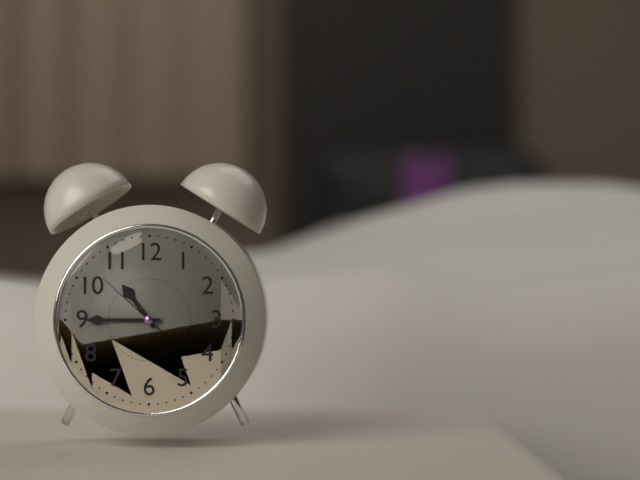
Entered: 10.45.52
